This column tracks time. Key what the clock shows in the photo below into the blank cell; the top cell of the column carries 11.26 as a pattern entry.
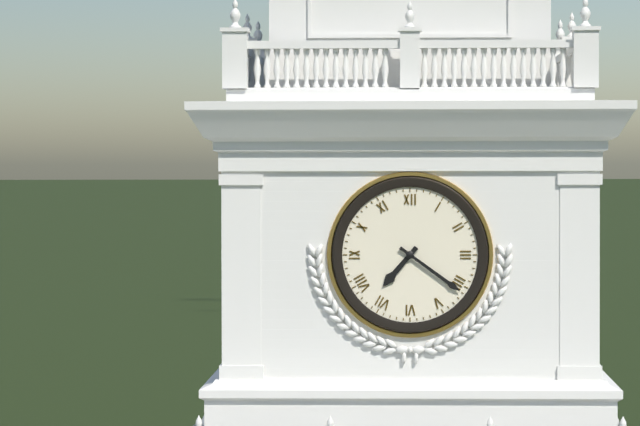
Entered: 7.21
